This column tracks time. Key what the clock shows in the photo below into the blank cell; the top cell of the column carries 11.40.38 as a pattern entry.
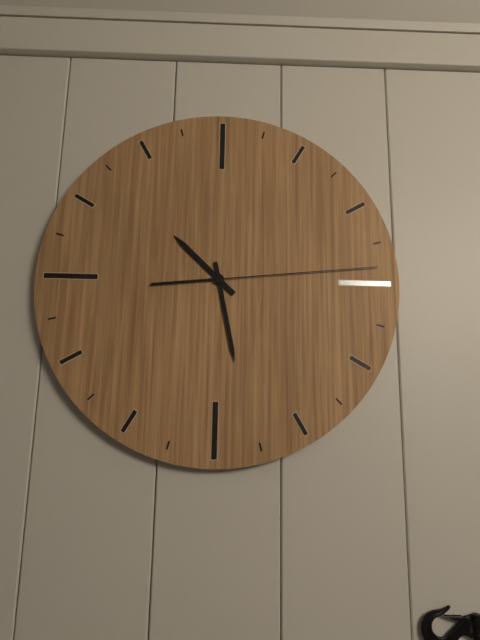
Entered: 10.28.14
